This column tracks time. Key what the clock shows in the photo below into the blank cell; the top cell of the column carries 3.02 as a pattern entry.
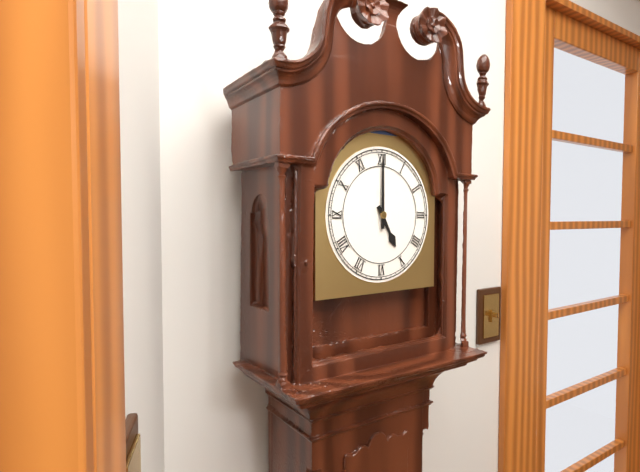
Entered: 5.00
